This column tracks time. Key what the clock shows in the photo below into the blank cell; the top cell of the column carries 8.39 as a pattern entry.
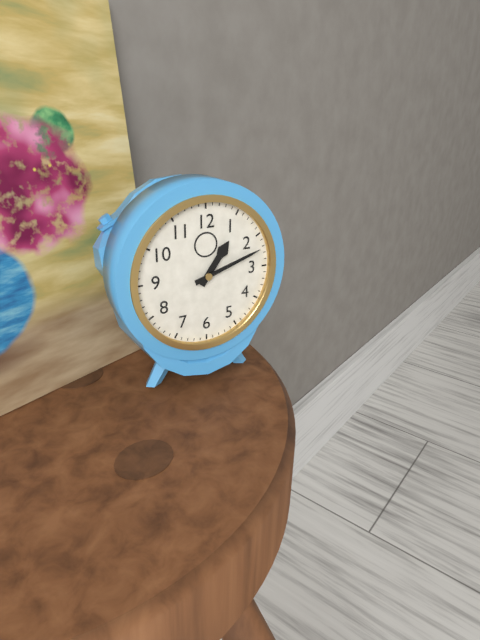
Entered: 1.12
